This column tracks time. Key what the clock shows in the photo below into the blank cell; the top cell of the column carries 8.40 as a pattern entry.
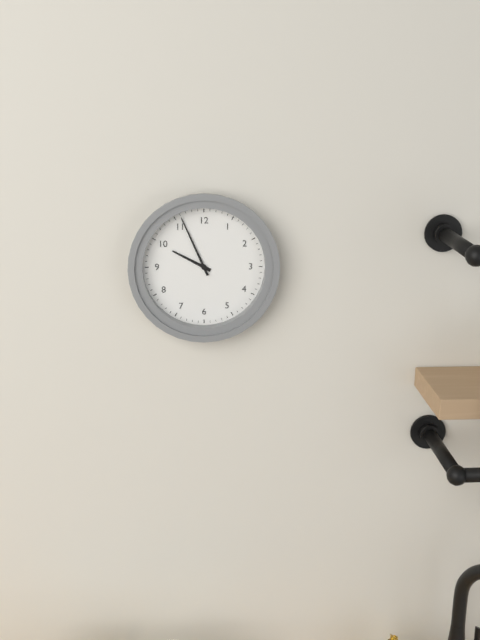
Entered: 9.56
